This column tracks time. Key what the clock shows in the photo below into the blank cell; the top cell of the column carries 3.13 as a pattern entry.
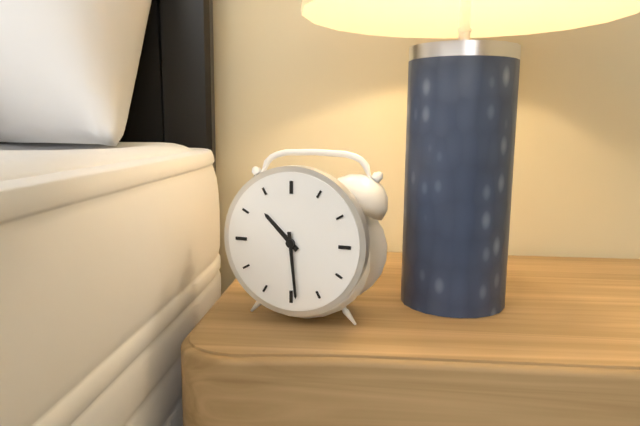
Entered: 10.29
